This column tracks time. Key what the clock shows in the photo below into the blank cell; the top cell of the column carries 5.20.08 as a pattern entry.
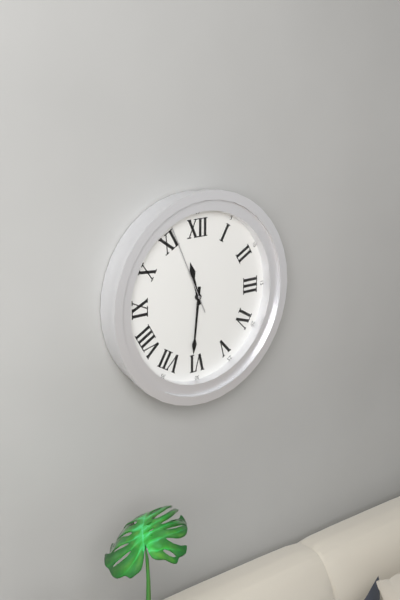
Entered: 11.31.56
